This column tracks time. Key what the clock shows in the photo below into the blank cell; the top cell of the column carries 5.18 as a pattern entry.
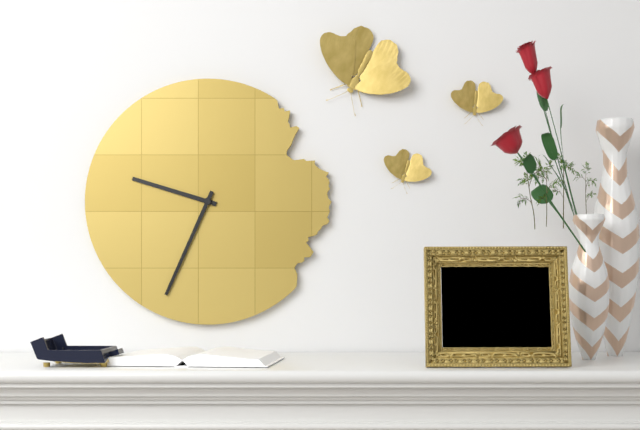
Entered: 9.34
